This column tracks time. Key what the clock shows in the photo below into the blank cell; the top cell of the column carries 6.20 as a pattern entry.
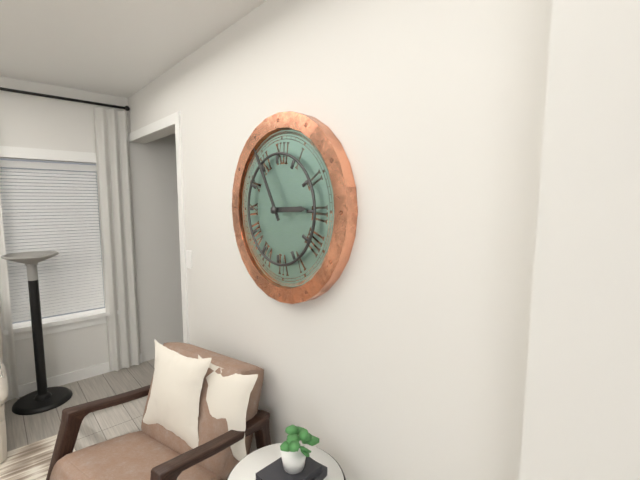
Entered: 2.55
